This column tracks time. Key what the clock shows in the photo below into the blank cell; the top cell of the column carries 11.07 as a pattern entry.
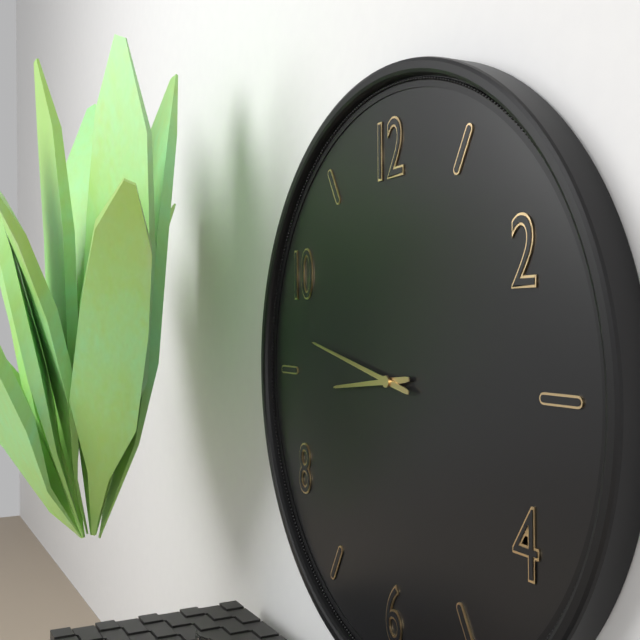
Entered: 8.47
